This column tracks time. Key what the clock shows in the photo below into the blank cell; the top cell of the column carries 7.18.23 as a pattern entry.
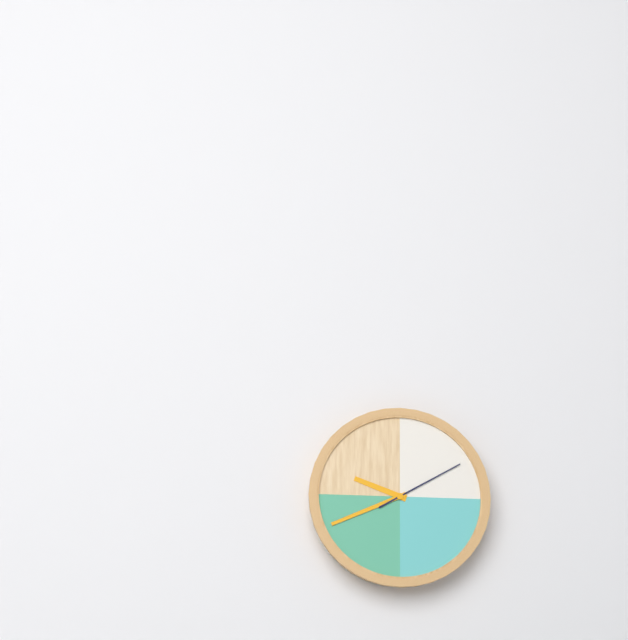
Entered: 9.41.10
